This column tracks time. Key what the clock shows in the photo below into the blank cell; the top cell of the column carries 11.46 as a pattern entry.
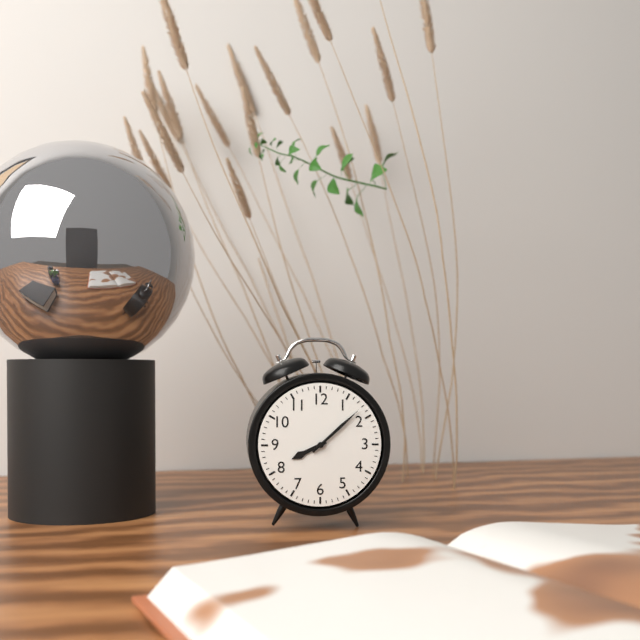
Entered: 8.08
